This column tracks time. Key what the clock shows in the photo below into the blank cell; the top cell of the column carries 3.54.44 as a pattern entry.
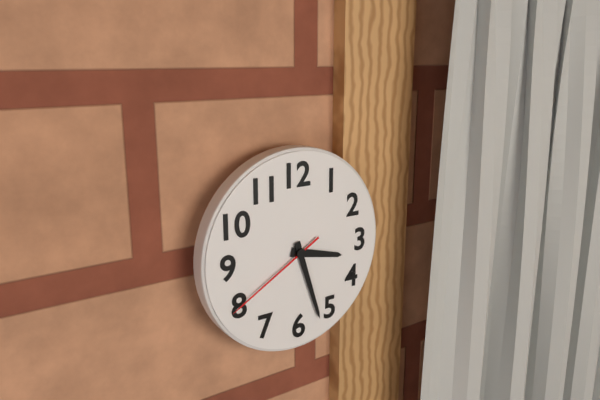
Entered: 3.27.40
